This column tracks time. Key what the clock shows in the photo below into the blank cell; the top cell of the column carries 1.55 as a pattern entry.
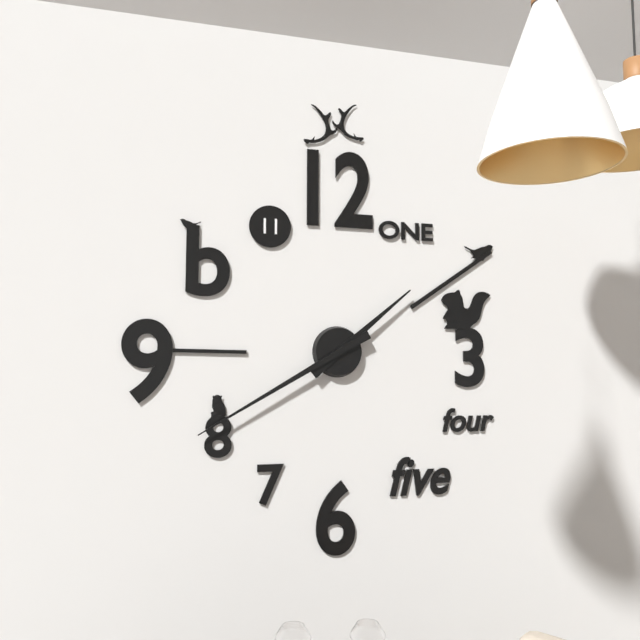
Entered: 1.40
